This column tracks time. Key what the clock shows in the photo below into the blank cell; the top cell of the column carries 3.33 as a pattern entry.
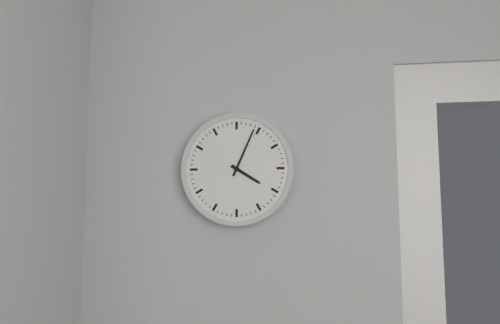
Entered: 4.04
